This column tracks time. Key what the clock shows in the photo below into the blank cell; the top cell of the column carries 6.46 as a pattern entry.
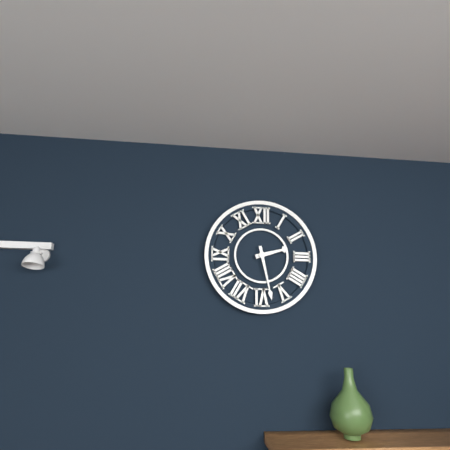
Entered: 2.28
